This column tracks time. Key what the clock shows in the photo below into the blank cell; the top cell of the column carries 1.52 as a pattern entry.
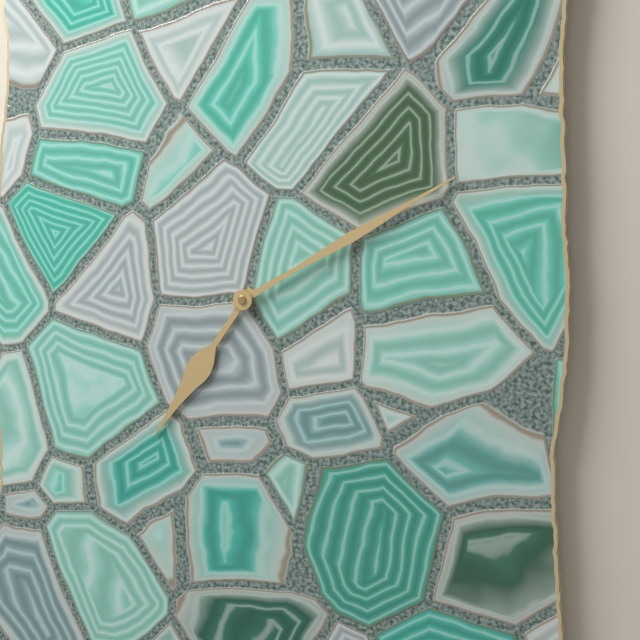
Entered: 7.10
